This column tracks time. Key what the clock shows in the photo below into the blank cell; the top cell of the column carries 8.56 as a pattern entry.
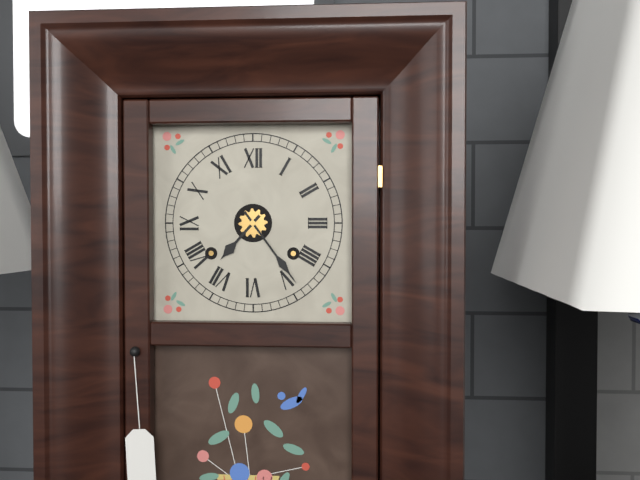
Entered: 7.24
